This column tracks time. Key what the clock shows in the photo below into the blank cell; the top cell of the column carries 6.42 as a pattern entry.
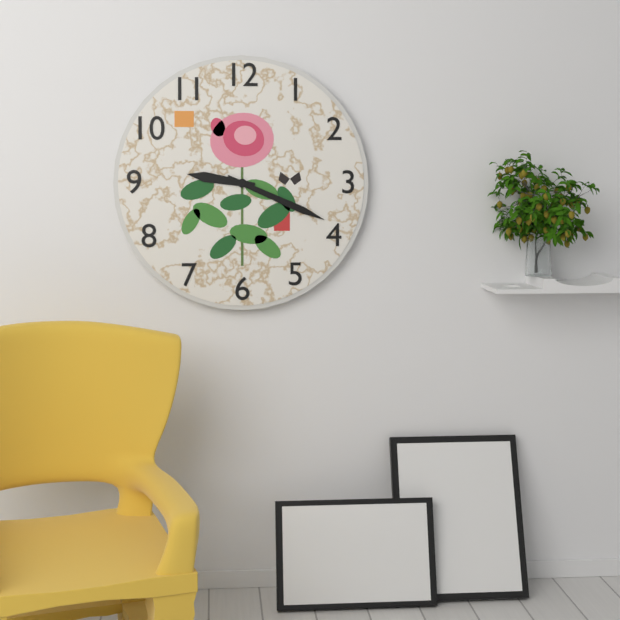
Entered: 9.19
